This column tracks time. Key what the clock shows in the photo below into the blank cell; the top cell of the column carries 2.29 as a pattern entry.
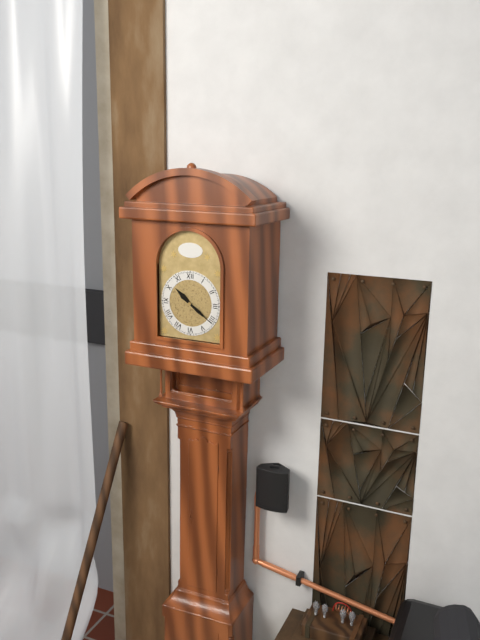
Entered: 10.21
